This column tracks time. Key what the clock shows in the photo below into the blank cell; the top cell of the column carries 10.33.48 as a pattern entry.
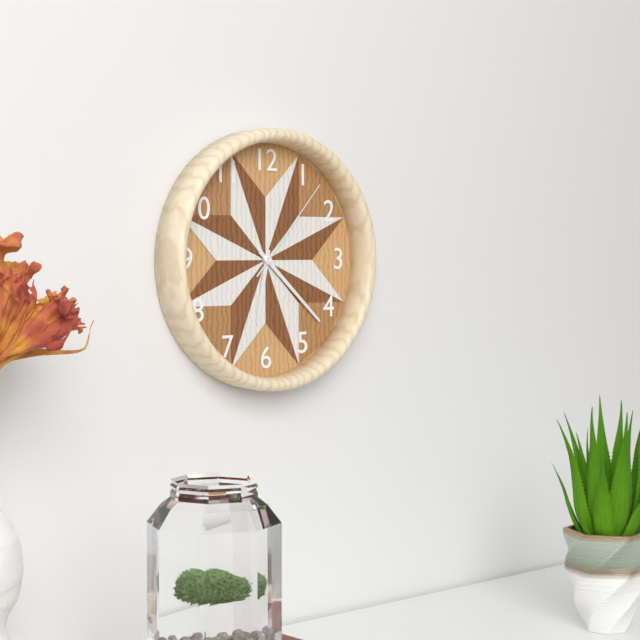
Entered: 6.22.07
